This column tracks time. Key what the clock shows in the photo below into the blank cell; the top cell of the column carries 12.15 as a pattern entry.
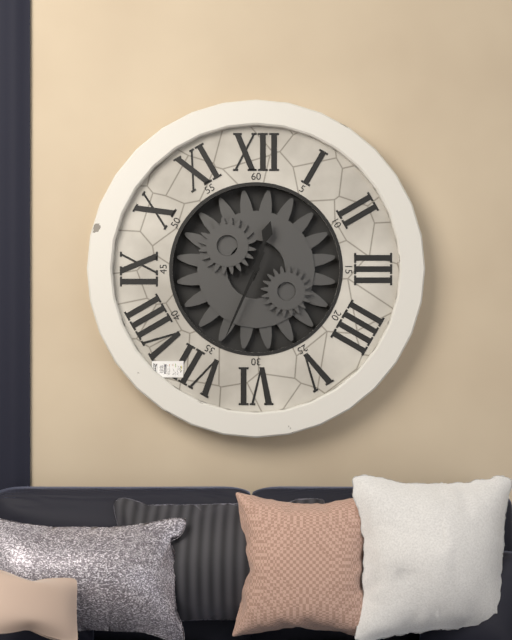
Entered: 12.34
